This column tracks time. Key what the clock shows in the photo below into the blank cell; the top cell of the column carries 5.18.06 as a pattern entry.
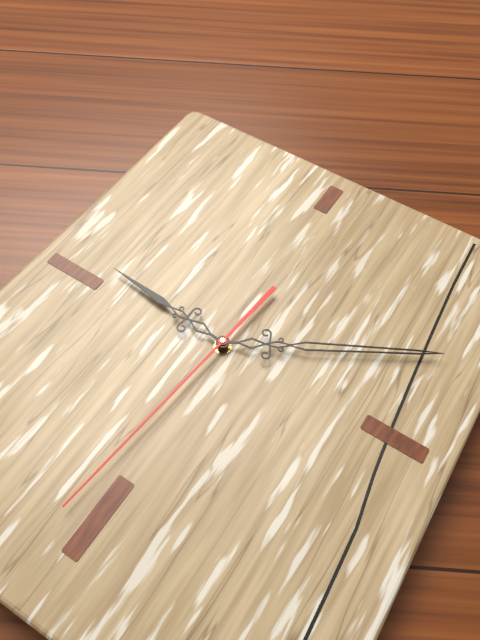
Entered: 9.10.31
